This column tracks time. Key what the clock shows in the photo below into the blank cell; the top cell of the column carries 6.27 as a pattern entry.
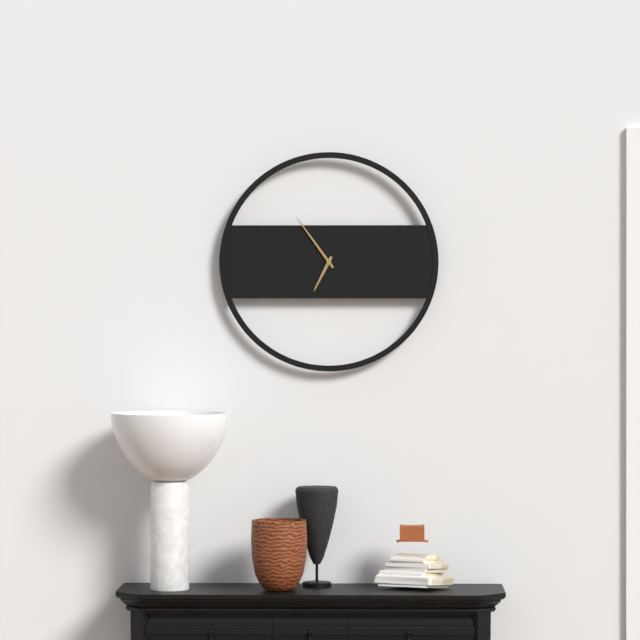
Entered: 6.54
